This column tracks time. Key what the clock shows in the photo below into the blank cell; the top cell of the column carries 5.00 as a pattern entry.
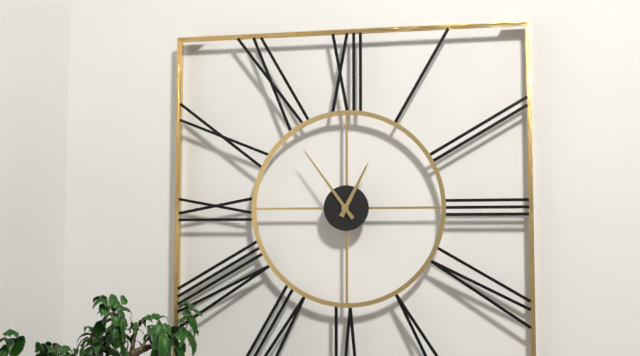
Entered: 12.54
